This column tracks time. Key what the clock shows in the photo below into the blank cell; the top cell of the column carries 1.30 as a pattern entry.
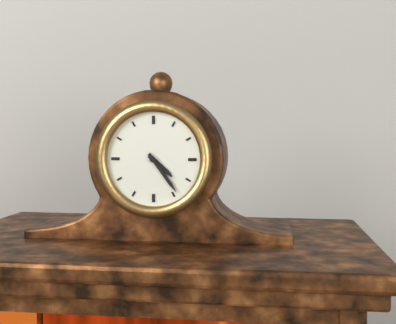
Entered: 4.24
